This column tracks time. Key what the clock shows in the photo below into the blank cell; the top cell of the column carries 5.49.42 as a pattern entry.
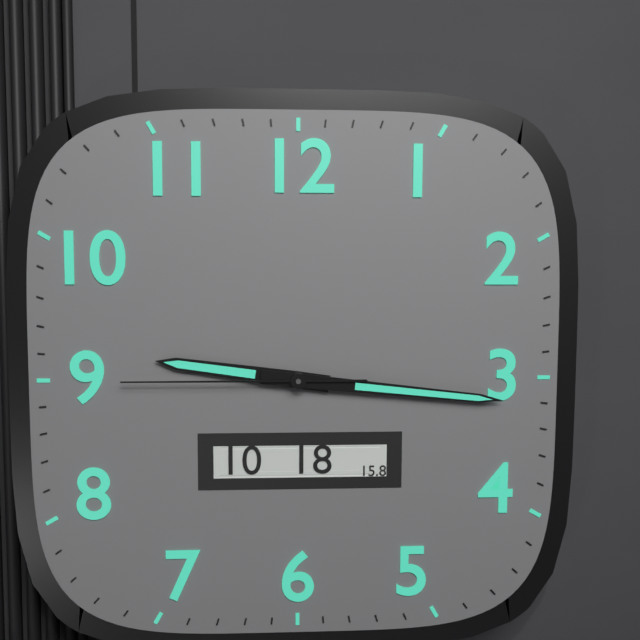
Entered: 9.16.45
